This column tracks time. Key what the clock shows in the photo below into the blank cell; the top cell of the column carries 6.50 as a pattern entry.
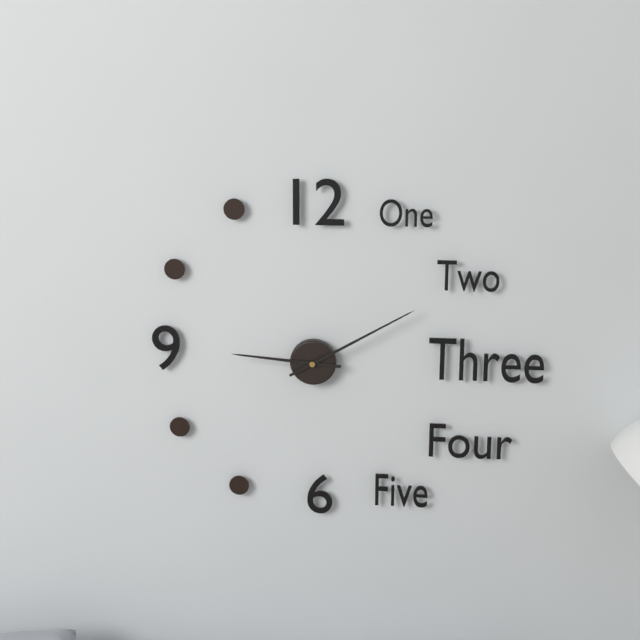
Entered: 9.10
